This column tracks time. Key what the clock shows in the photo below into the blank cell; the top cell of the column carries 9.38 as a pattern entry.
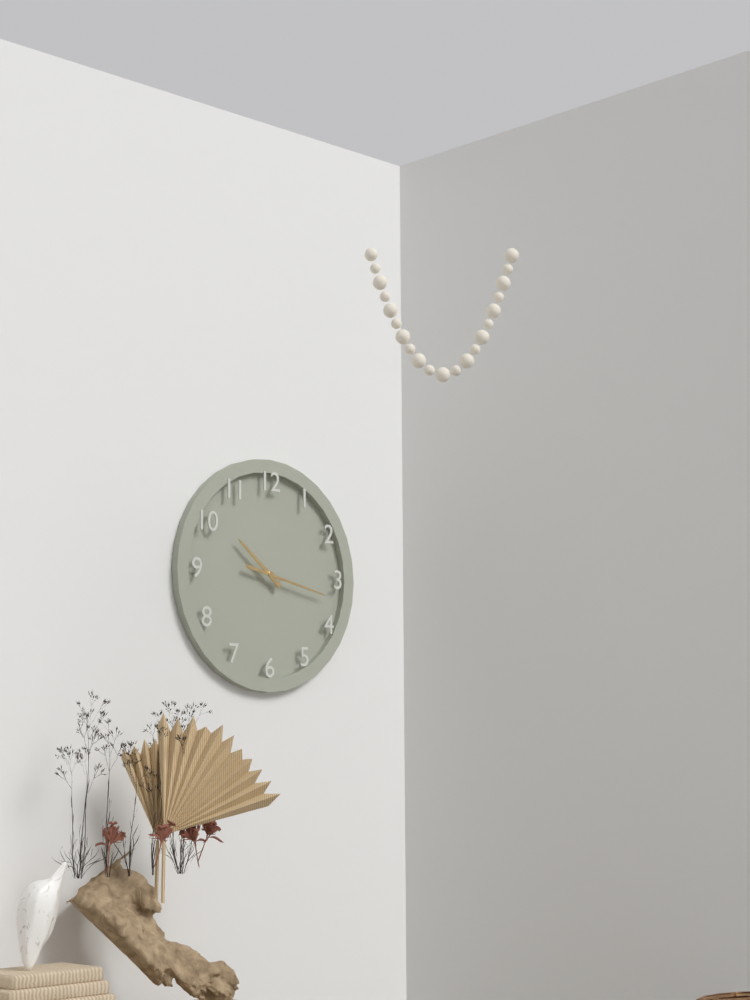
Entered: 10.17
